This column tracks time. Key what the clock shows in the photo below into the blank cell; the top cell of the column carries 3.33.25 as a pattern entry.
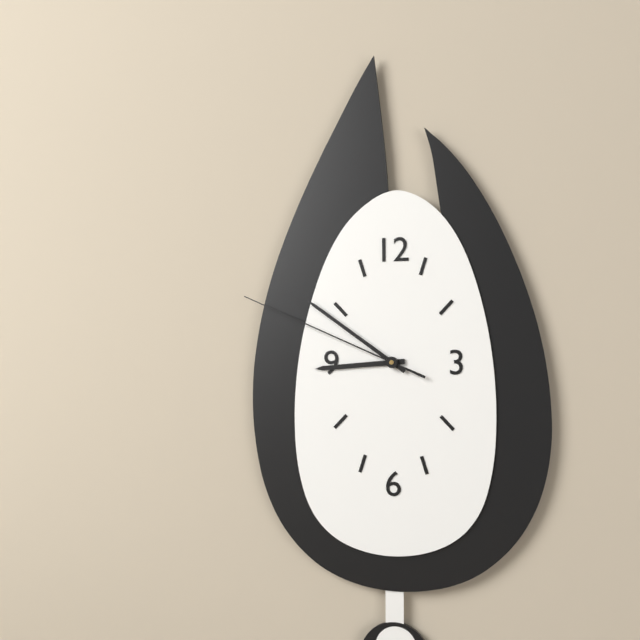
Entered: 8.51.49
